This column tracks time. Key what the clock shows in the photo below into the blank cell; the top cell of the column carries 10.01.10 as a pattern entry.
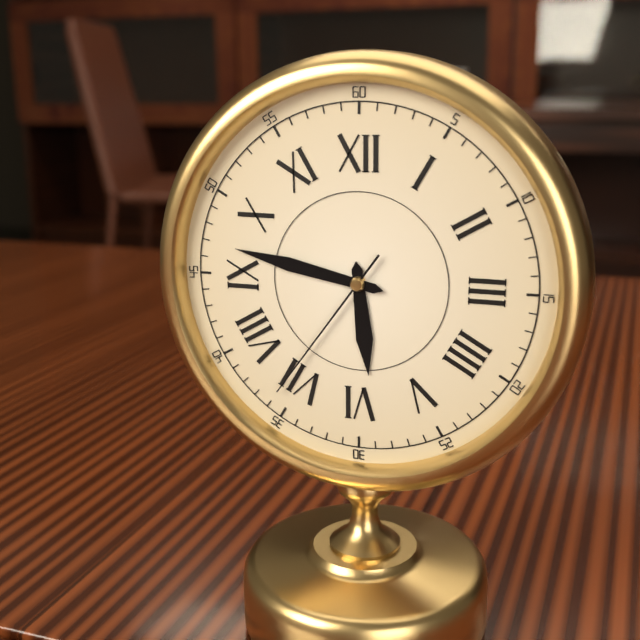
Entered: 5.47.36
